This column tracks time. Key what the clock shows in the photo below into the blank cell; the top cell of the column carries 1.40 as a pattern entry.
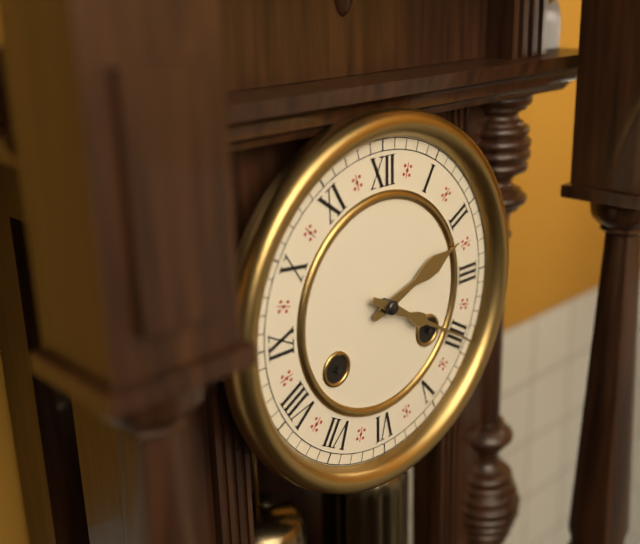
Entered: 2.20
